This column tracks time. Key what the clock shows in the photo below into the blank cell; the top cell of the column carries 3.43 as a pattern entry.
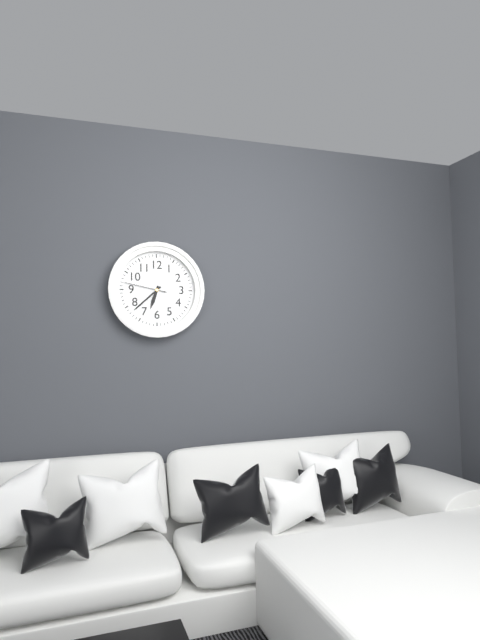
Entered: 6.38
